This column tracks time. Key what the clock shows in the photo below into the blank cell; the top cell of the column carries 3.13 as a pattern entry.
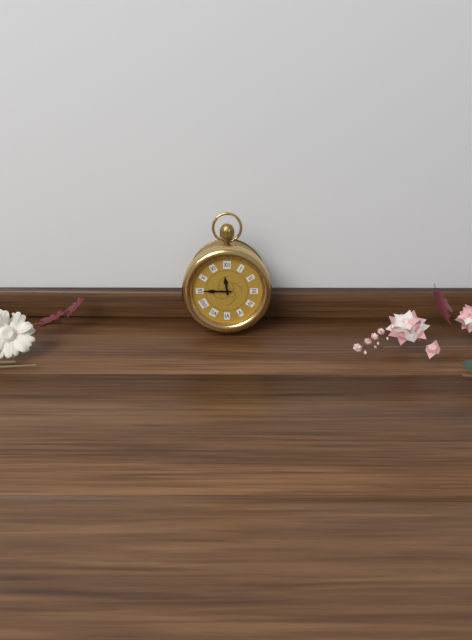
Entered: 11.45
